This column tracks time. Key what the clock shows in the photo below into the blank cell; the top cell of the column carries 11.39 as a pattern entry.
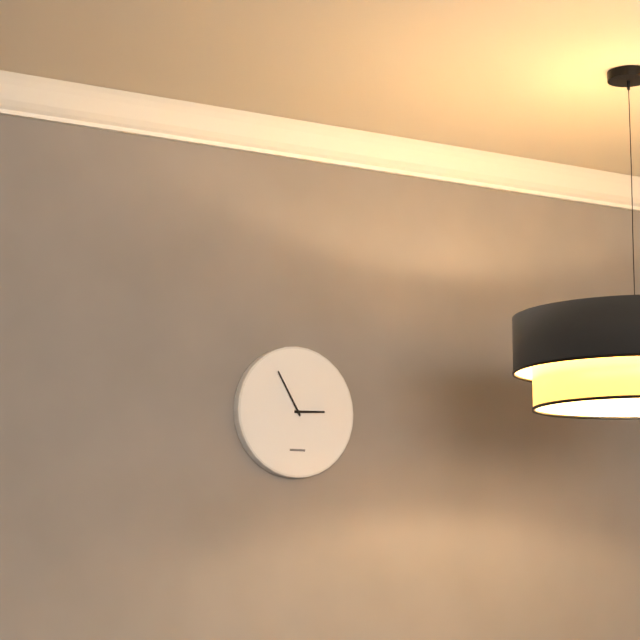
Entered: 2.55
